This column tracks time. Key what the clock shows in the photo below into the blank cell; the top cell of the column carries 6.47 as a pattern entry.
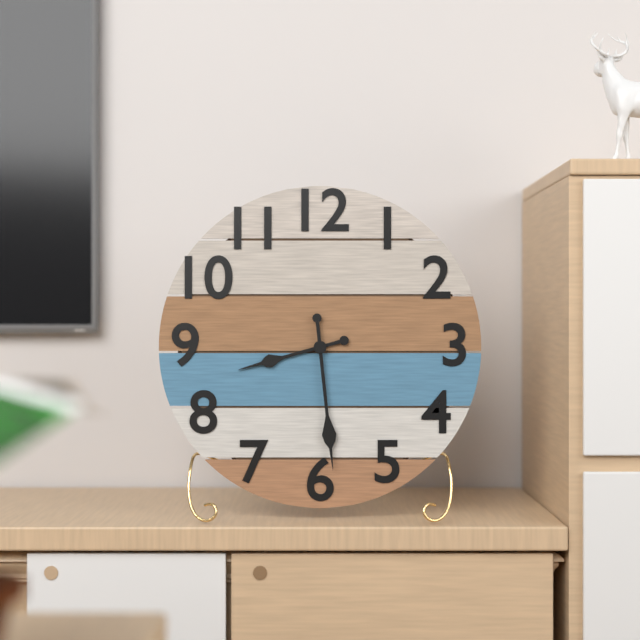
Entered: 8.29
